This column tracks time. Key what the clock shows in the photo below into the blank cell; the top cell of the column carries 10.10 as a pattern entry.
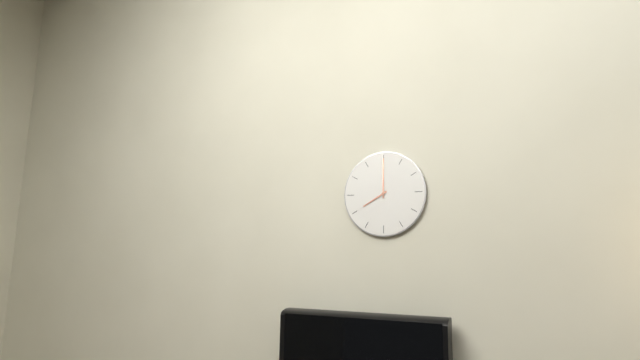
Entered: 8.00
